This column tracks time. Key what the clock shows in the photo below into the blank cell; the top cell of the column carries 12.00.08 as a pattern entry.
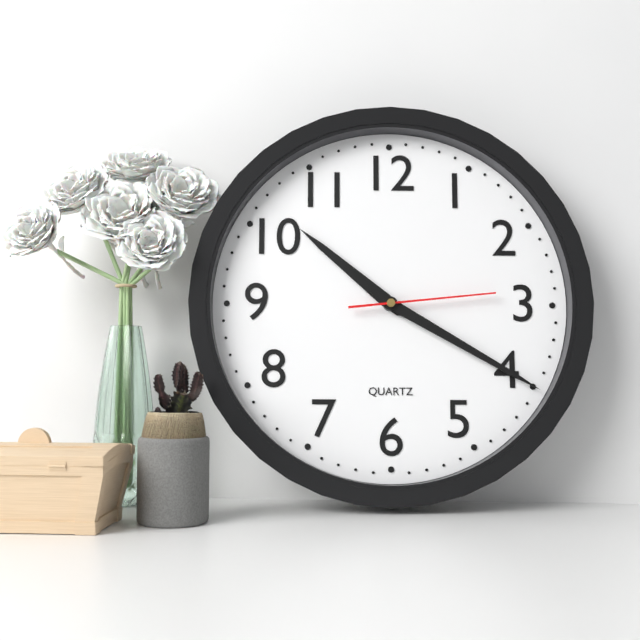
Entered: 10.20.14
